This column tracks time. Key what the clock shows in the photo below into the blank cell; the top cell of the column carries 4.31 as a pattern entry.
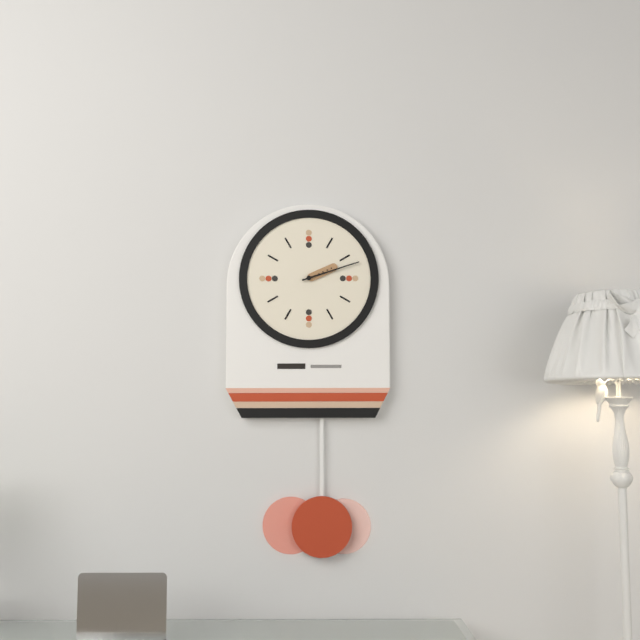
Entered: 2.12
